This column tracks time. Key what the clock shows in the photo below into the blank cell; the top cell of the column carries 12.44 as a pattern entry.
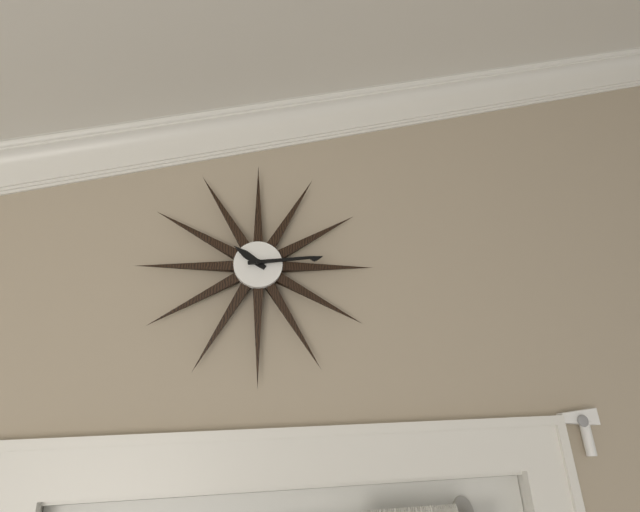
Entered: 10.14
